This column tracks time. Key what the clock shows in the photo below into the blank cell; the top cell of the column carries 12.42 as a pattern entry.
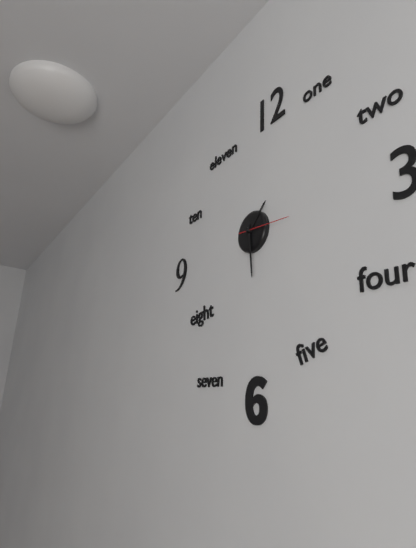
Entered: 1.29
